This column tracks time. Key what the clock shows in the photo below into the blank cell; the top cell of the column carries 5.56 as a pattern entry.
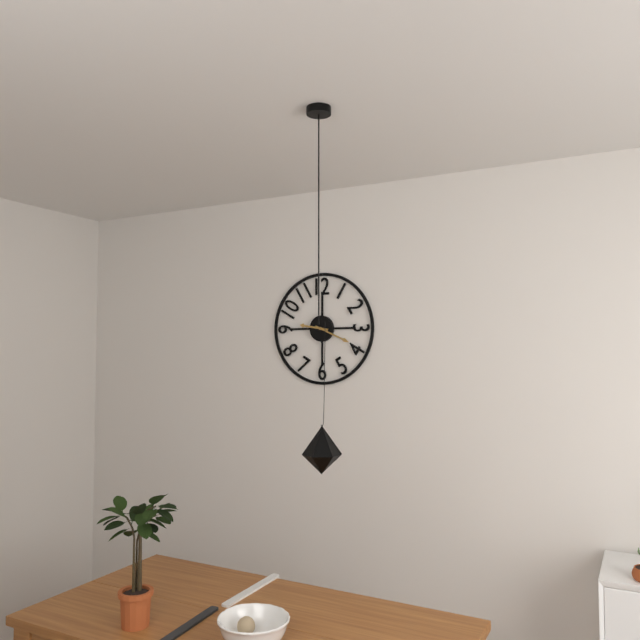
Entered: 9.19
